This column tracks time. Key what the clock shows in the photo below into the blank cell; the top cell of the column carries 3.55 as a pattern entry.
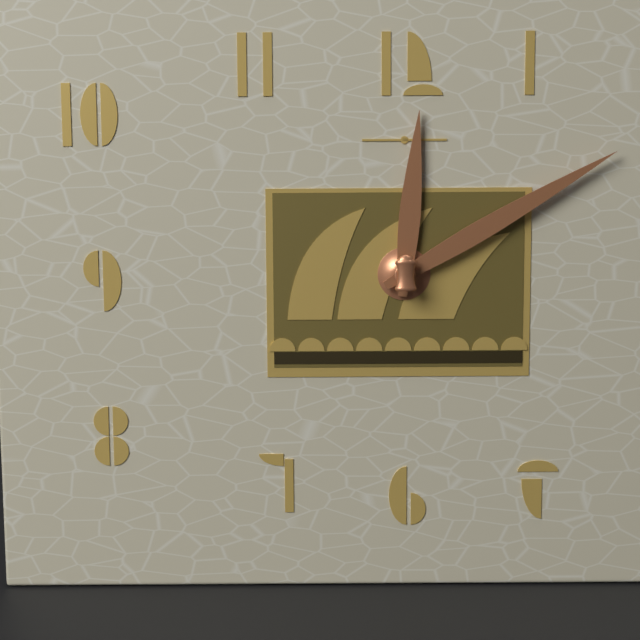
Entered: 12.10
